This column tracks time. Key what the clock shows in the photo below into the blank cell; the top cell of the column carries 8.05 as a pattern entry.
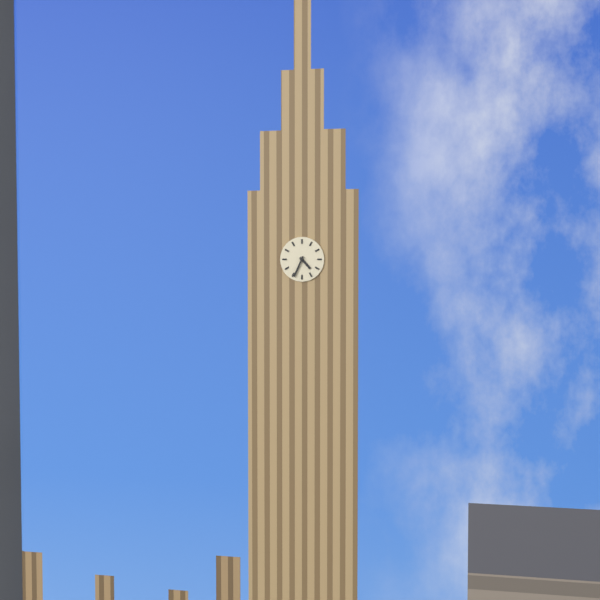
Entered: 4.34
